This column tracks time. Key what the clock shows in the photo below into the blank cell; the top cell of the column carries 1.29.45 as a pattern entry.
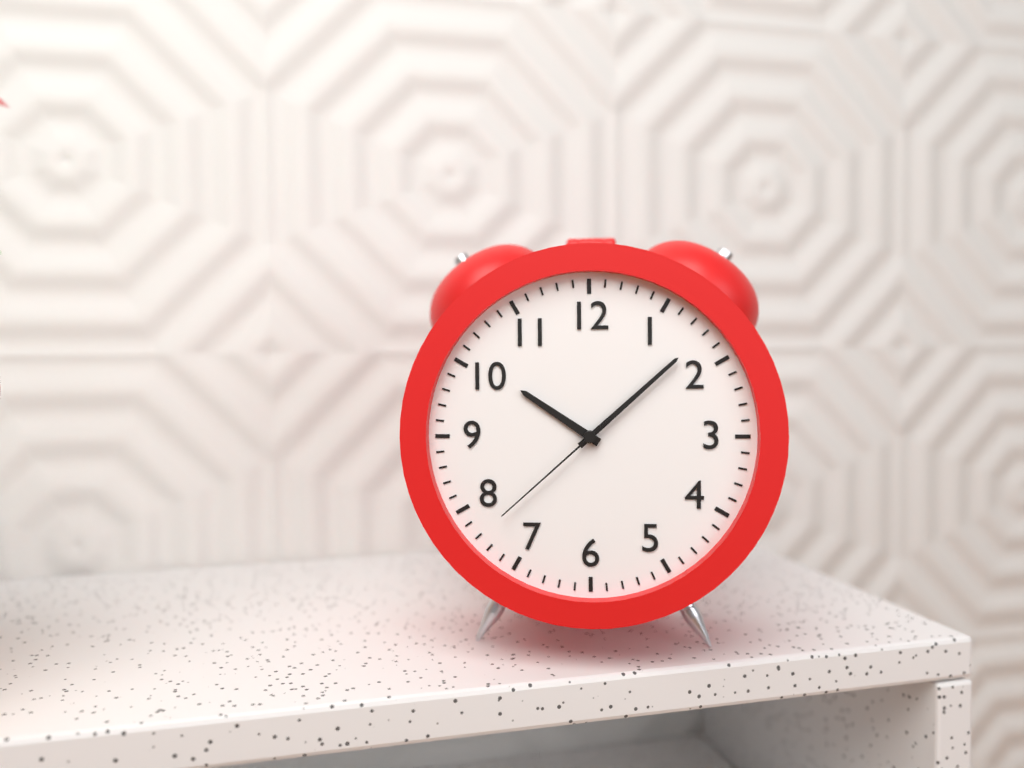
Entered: 10.08.38
